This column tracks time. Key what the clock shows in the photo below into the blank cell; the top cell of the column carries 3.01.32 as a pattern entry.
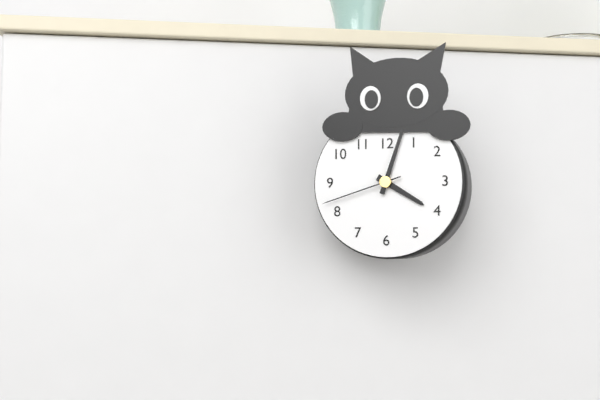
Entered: 4.03.42
